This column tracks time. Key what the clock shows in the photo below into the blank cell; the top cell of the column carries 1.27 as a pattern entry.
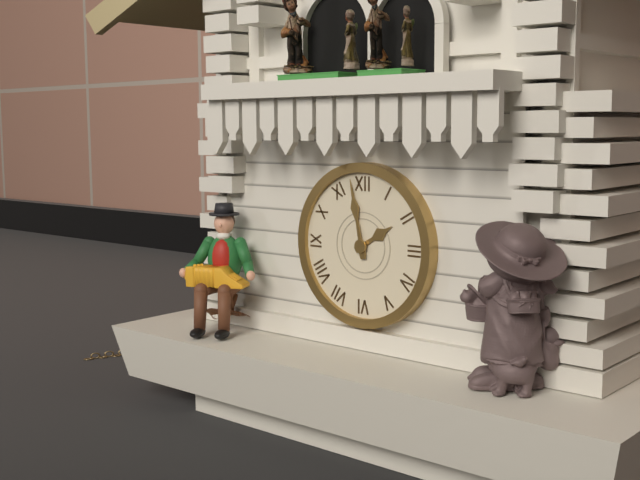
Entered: 1.58
